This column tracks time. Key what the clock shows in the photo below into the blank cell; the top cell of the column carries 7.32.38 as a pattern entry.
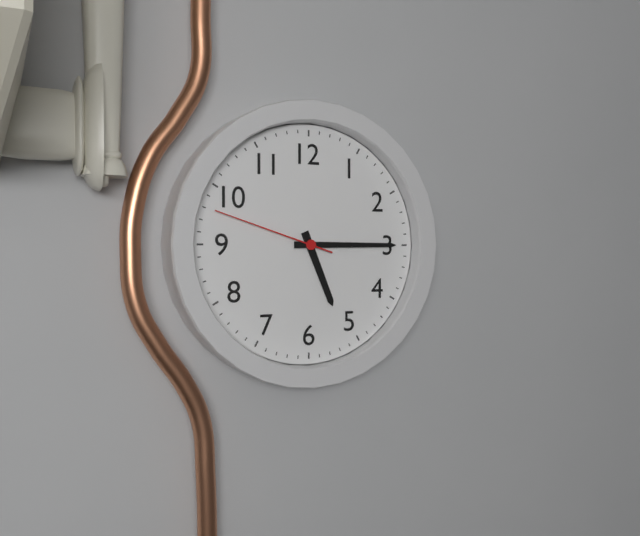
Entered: 5.15.48
